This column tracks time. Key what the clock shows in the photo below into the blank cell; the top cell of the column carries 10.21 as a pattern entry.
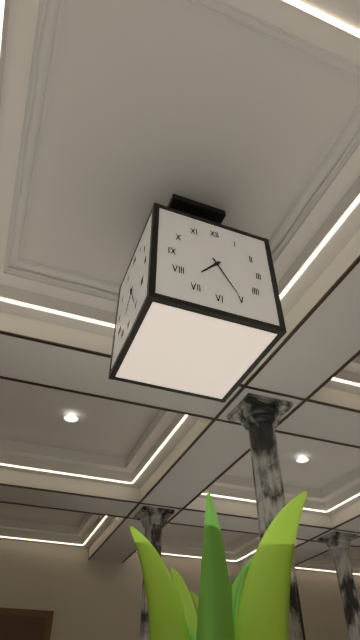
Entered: 7.25
